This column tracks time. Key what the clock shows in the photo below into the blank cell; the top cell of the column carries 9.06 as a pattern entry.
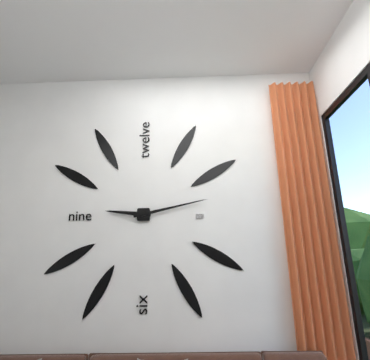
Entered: 9.13
